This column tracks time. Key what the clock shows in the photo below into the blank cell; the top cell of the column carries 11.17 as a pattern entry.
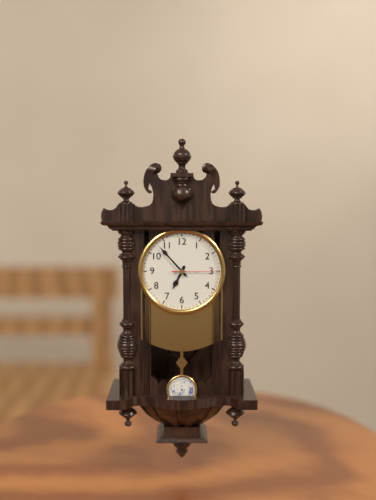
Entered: 6.53
